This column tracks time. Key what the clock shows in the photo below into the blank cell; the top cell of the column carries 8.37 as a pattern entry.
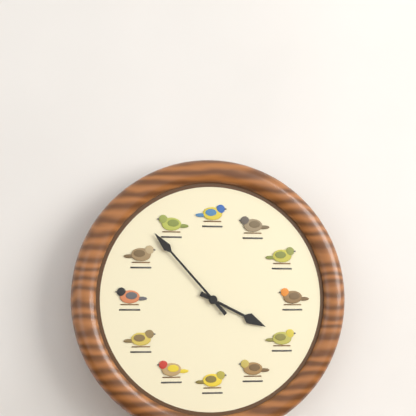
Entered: 3.53
